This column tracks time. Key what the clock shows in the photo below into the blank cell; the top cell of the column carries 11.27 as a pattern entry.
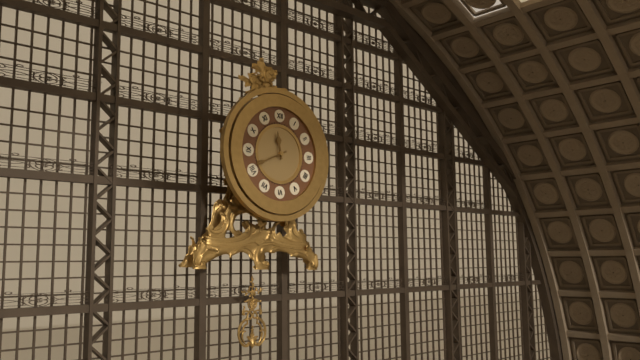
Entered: 11.41
